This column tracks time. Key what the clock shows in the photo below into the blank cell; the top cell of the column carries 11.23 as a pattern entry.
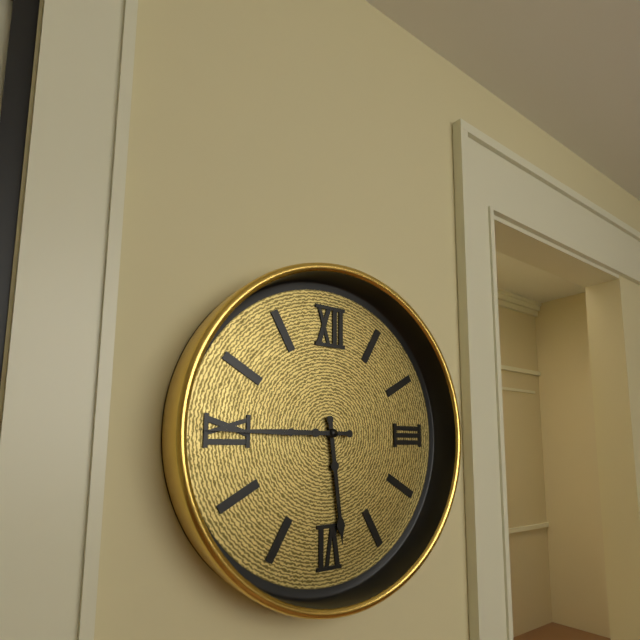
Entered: 5.45
